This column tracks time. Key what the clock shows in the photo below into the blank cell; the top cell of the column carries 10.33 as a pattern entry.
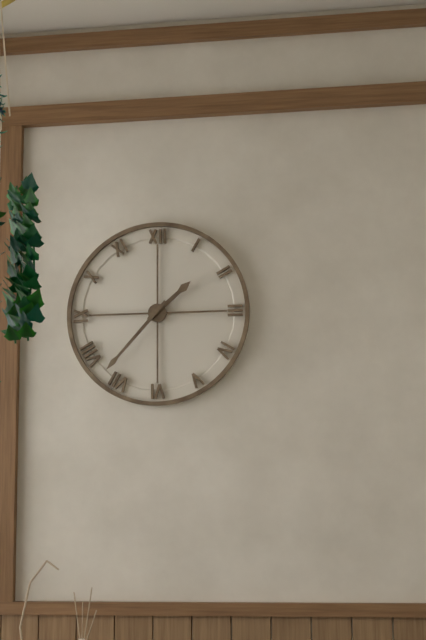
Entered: 1.37
